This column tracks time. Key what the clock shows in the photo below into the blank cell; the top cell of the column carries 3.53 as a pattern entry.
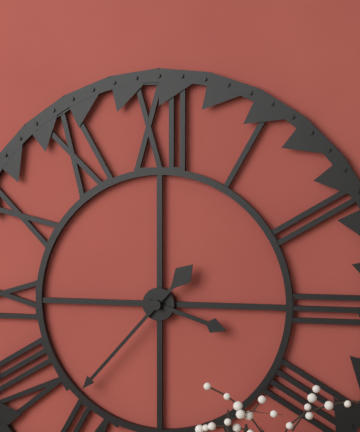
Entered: 3.37
